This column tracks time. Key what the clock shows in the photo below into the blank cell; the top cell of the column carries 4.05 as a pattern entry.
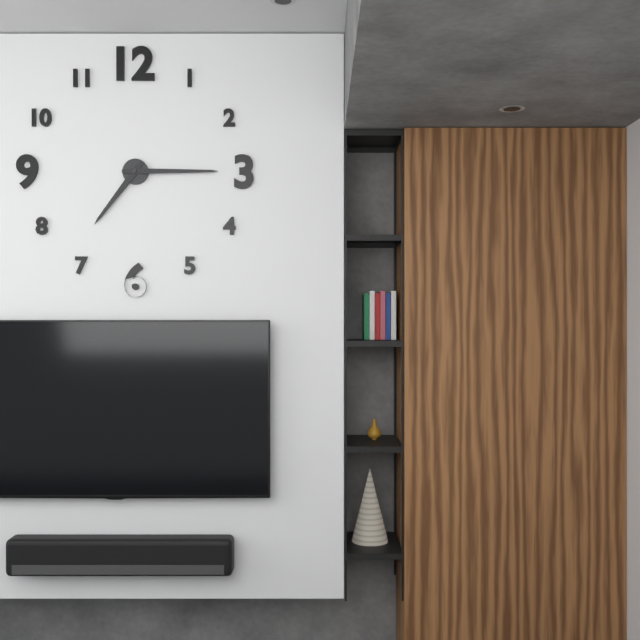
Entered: 7.15
